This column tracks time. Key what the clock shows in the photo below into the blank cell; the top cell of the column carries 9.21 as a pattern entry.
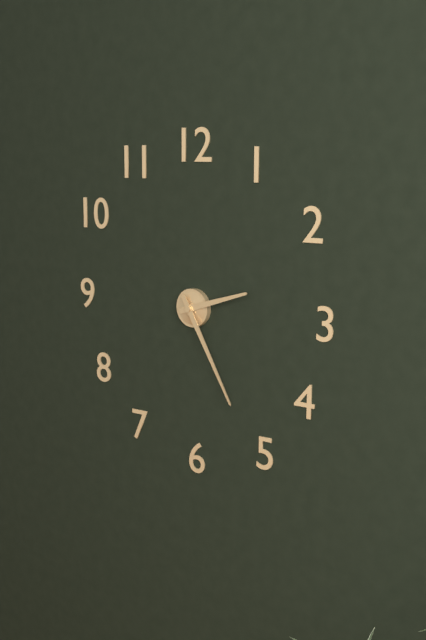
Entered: 2.25
